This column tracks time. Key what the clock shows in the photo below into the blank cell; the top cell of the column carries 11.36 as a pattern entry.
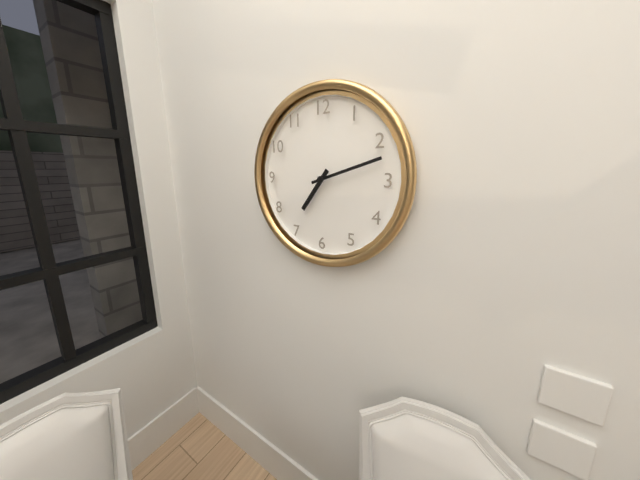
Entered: 7.12
